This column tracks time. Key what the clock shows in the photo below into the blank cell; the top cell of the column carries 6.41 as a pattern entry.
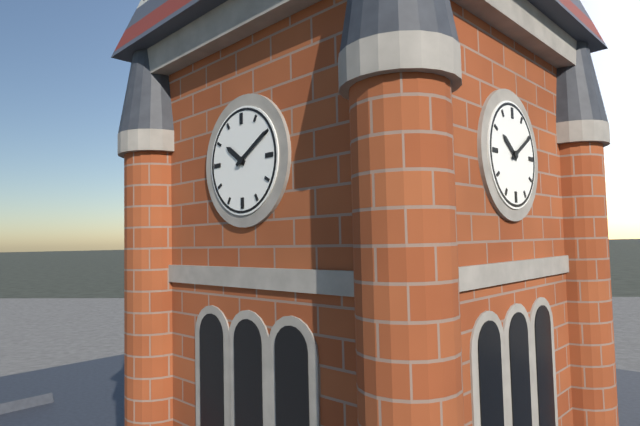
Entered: 10.10
